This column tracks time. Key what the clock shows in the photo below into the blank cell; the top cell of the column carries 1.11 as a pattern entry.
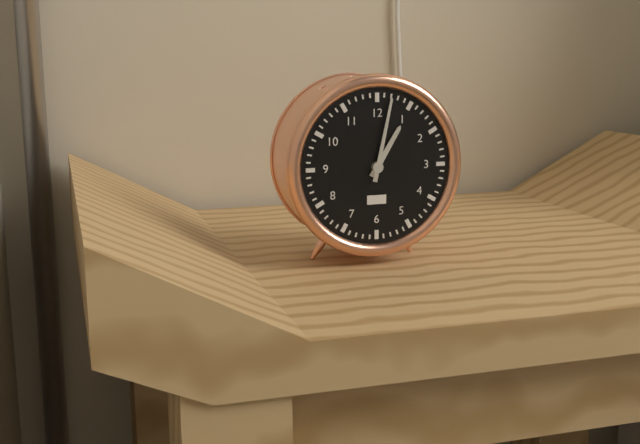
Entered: 1.02
